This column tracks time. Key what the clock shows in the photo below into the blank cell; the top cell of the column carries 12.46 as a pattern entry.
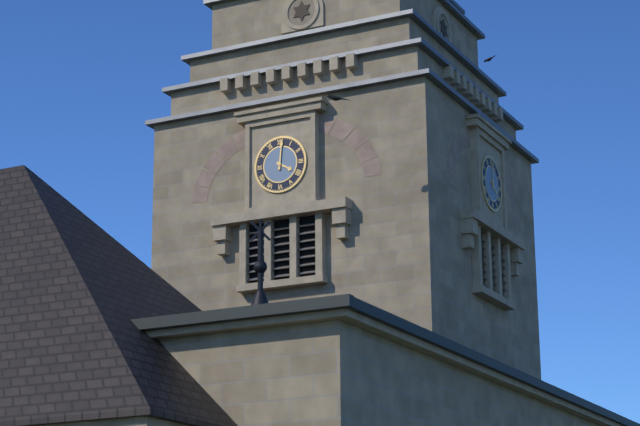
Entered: 4.01
